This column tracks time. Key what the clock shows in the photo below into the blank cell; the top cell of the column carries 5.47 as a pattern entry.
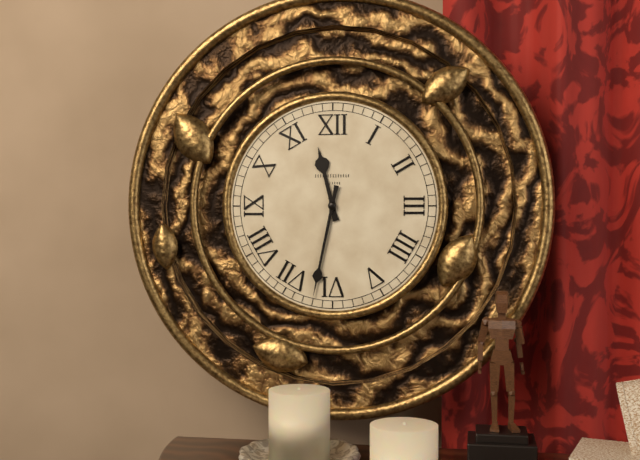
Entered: 11.32
